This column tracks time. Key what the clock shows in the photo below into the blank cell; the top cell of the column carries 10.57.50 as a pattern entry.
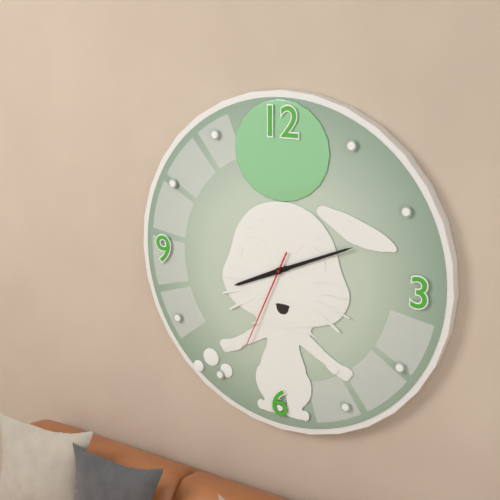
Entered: 8.11.34
